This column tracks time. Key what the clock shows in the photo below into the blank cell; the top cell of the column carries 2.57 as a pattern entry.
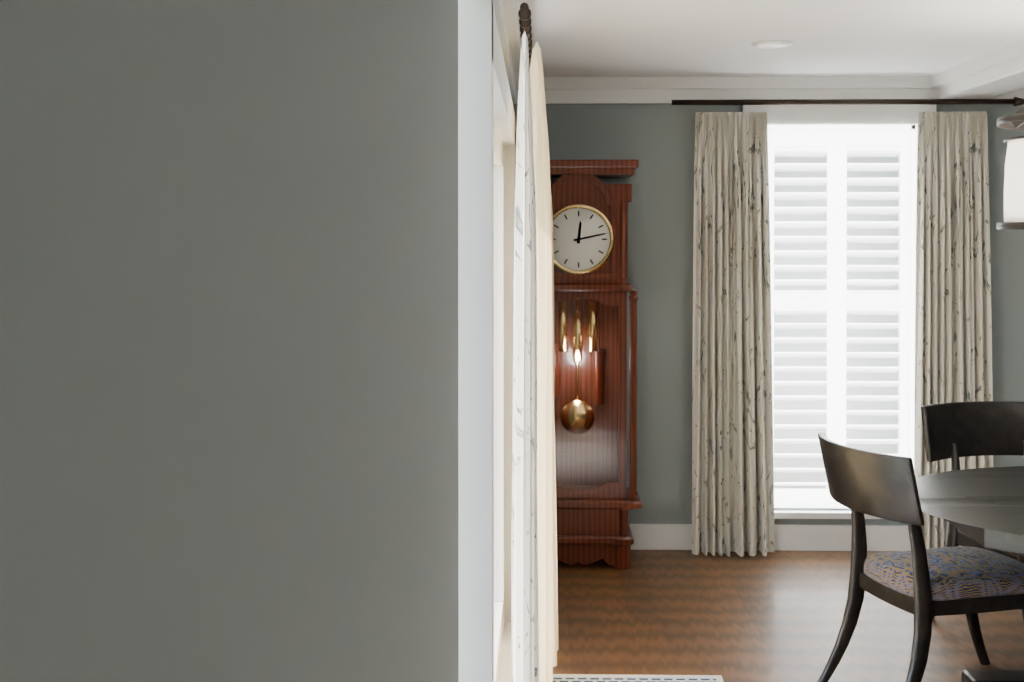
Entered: 12.13
